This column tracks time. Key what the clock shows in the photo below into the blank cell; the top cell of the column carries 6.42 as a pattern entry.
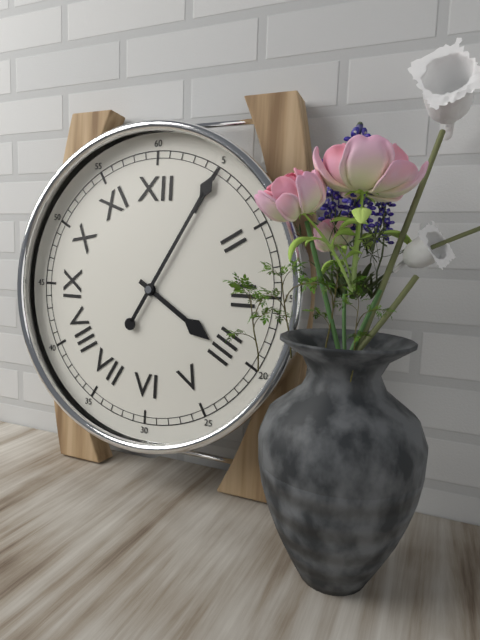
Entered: 4.05
